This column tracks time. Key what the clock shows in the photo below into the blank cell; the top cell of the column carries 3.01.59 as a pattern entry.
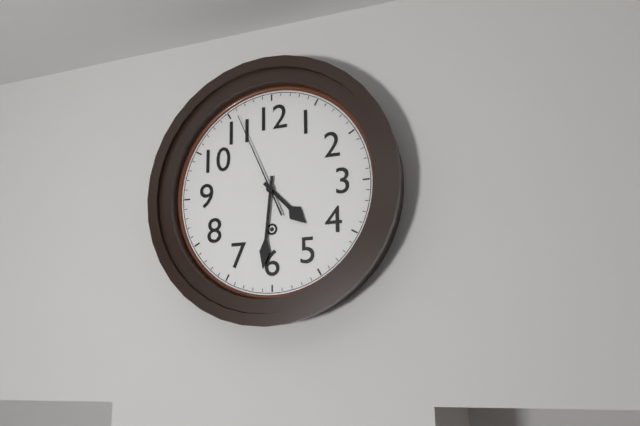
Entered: 4.31.56
